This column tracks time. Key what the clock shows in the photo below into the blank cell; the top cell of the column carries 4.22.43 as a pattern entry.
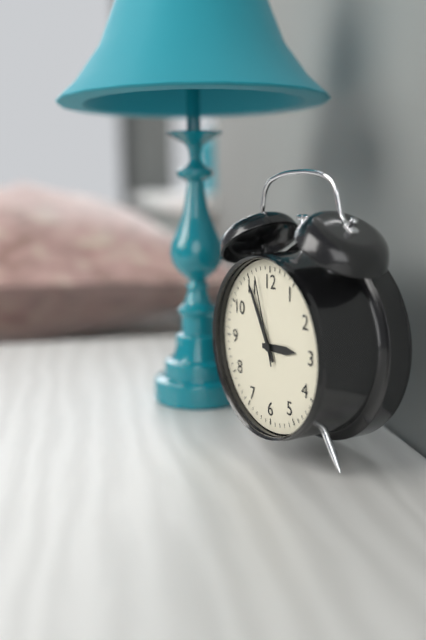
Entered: 2.55.57
